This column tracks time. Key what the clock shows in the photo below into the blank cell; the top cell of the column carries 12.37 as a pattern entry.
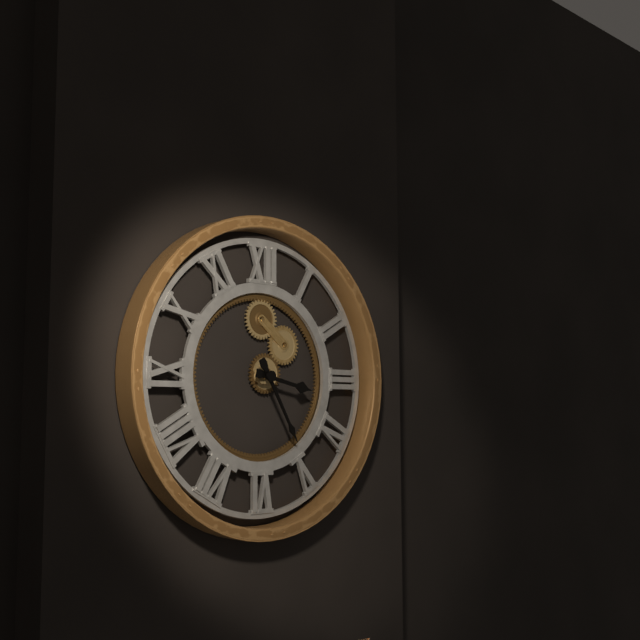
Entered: 3.25
